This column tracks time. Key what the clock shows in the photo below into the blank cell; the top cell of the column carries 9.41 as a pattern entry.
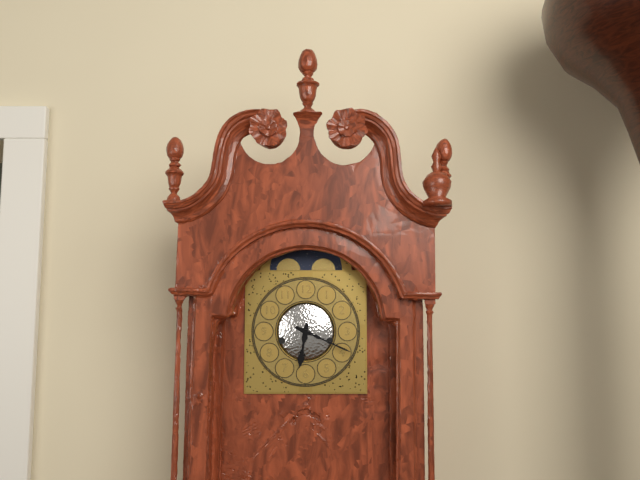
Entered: 6.19
